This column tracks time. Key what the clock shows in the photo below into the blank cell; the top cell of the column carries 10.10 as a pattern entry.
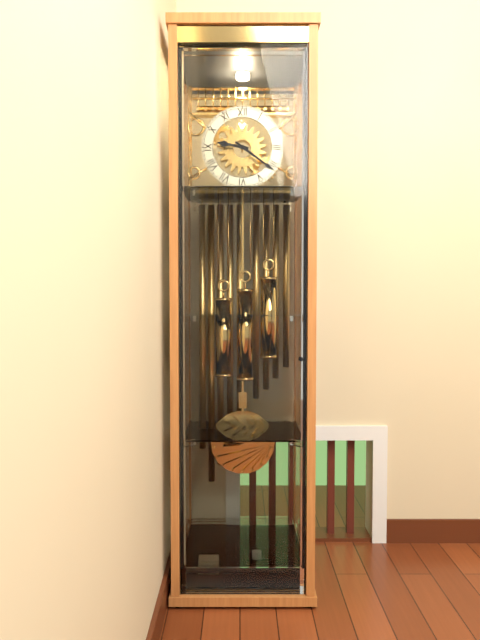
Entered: 9.21
